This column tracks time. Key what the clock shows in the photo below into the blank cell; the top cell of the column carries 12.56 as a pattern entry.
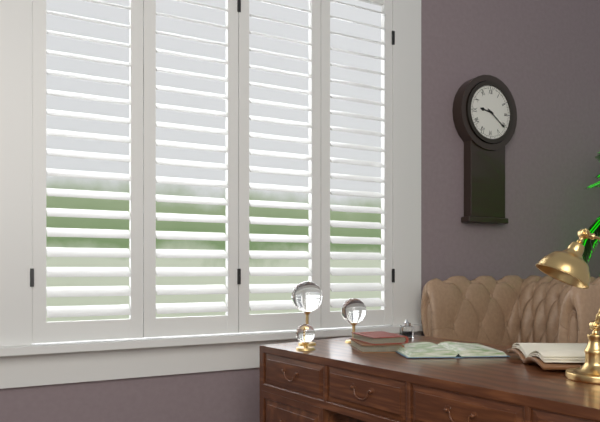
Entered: 9.21
